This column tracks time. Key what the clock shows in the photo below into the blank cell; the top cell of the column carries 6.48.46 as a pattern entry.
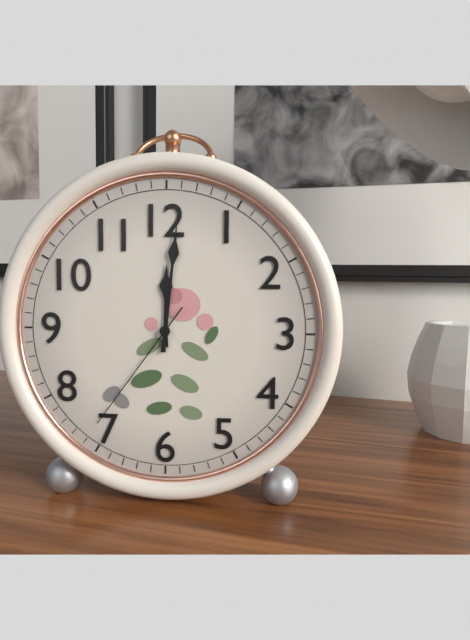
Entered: 12.01.36
